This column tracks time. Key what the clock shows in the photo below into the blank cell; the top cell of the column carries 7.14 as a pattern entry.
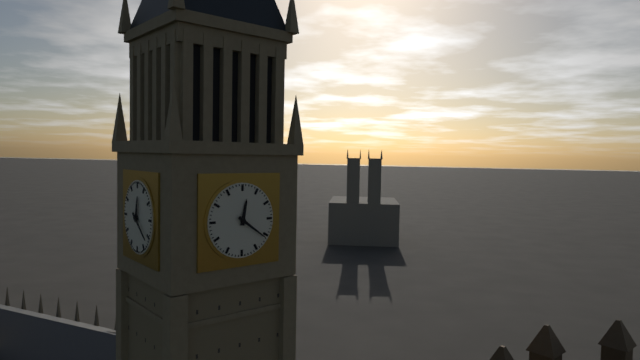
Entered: 12.21
